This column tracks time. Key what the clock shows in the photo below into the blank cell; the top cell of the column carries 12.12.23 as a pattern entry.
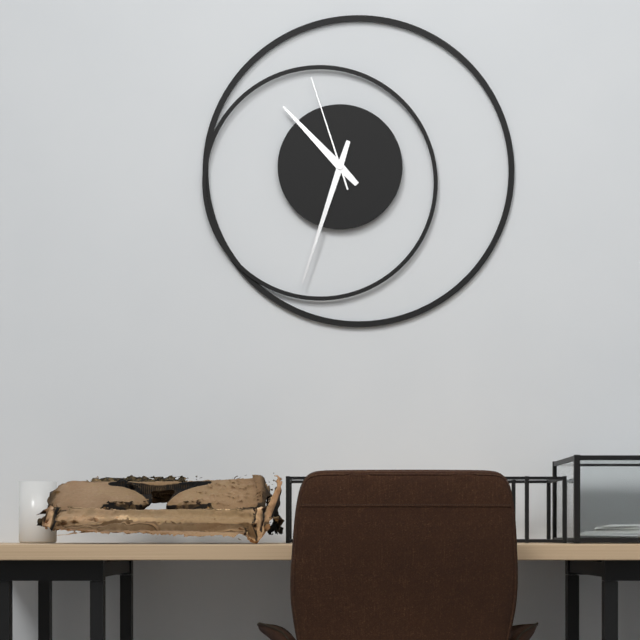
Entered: 10.33.57
